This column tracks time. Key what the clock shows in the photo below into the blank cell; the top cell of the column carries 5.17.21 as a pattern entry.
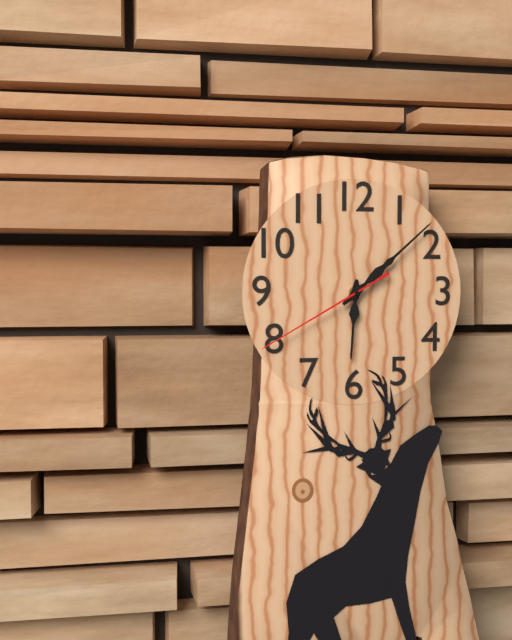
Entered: 6.08.40
